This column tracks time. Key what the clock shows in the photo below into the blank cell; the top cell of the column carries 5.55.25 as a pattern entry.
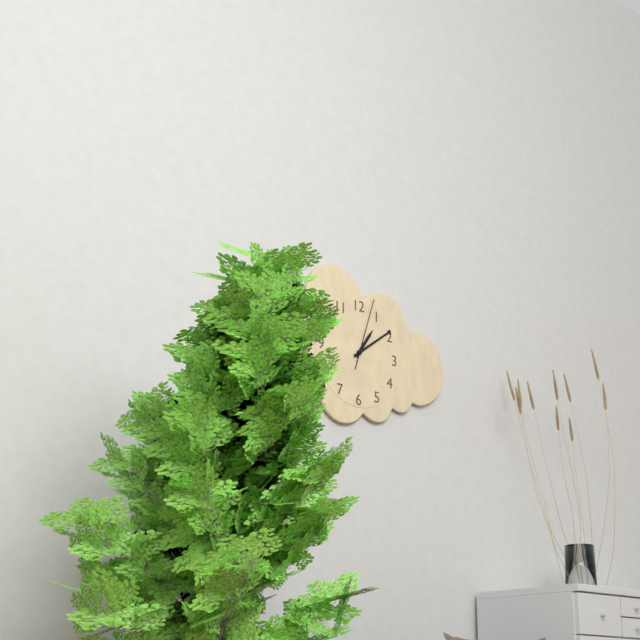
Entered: 1.09.03
